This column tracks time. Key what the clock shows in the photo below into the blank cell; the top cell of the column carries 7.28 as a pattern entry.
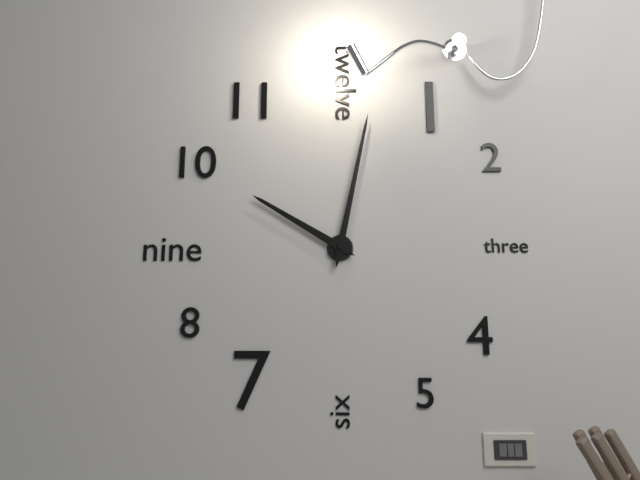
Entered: 10.02
